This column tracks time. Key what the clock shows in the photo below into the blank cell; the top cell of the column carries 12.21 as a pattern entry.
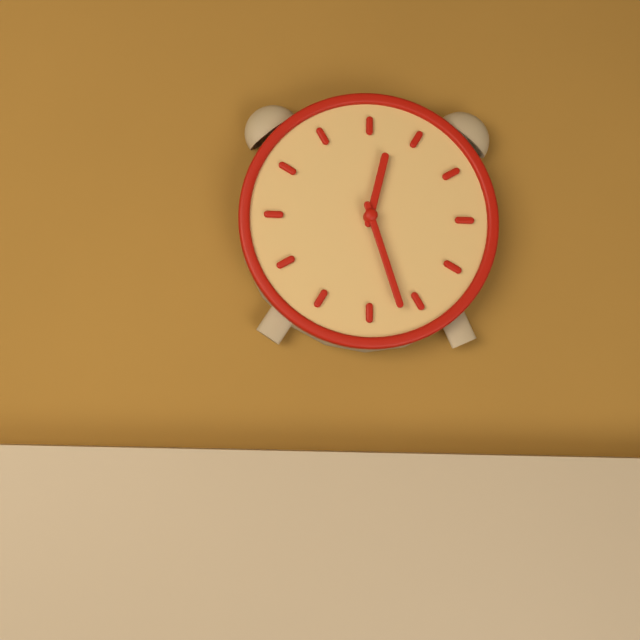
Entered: 12.27
